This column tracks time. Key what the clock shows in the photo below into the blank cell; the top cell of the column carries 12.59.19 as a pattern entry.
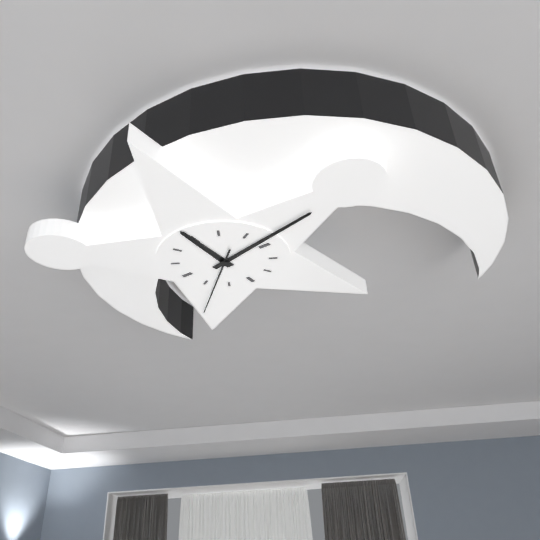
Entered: 8.58.23
